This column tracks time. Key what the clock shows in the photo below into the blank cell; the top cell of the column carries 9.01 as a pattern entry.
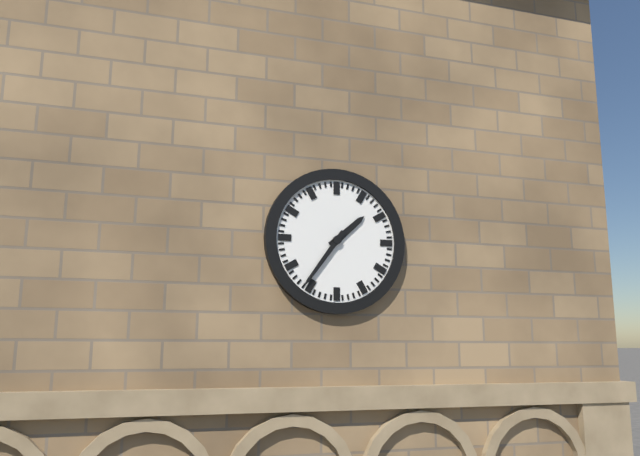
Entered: 1.36
